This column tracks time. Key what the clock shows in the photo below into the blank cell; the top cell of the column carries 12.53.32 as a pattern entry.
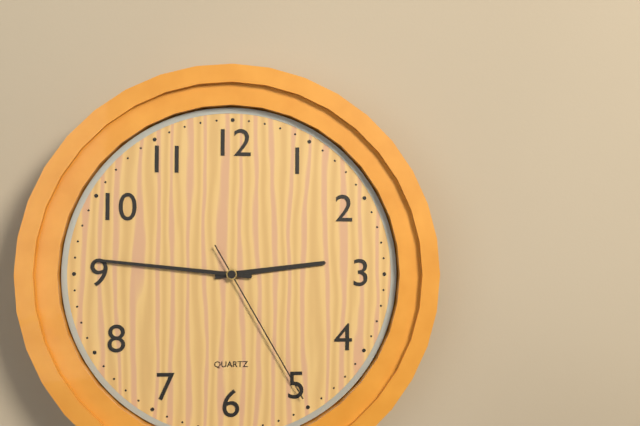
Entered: 2.46.25
